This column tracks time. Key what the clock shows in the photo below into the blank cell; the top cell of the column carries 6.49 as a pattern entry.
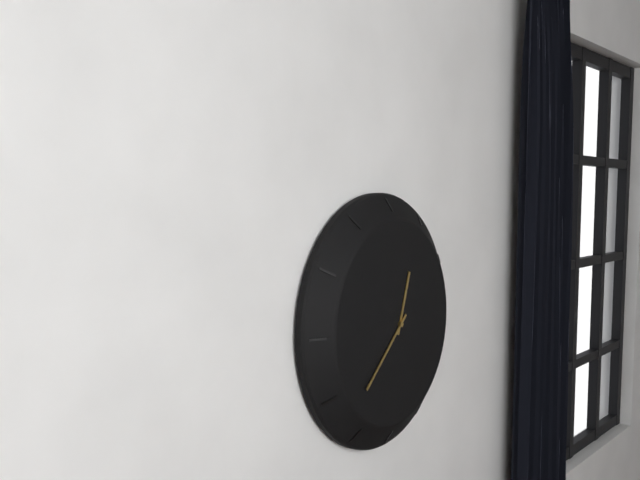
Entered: 12.38
